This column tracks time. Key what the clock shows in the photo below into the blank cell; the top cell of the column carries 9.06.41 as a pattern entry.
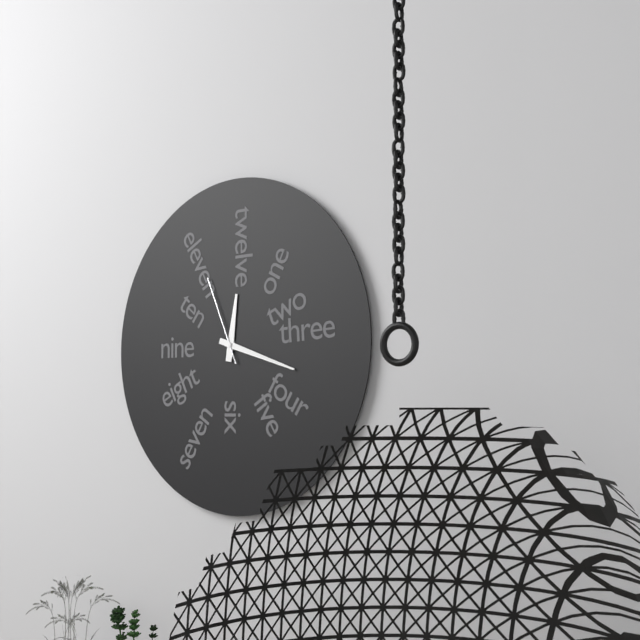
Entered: 12.18.56
